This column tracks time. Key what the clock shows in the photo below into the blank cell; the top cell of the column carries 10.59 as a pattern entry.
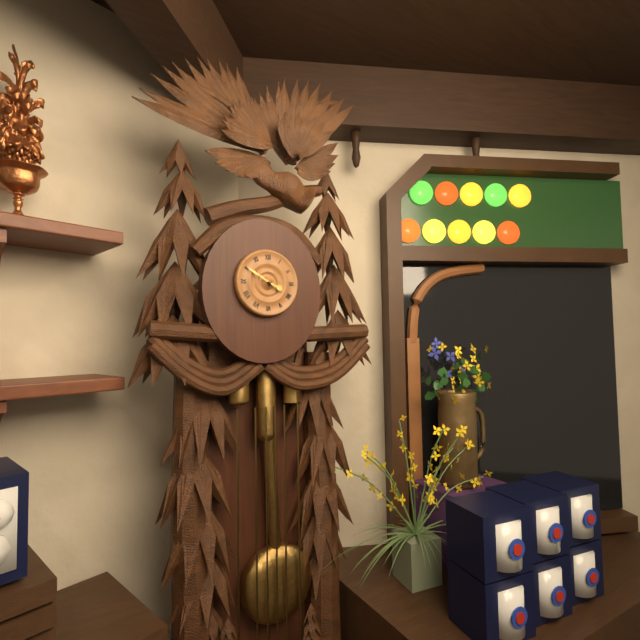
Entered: 3.50
